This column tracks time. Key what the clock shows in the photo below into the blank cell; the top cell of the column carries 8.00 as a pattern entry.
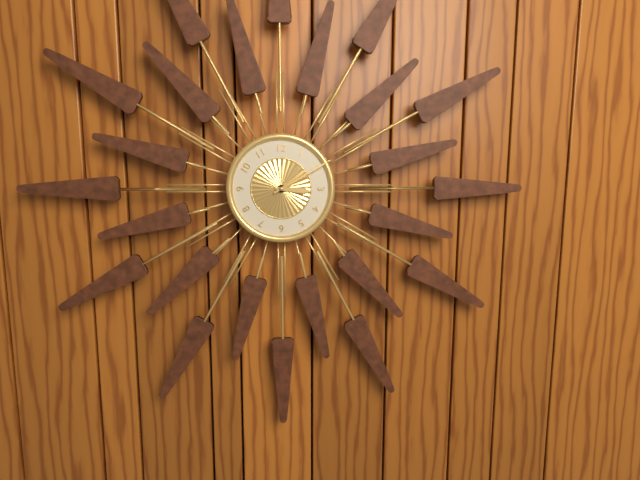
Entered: 3.10
